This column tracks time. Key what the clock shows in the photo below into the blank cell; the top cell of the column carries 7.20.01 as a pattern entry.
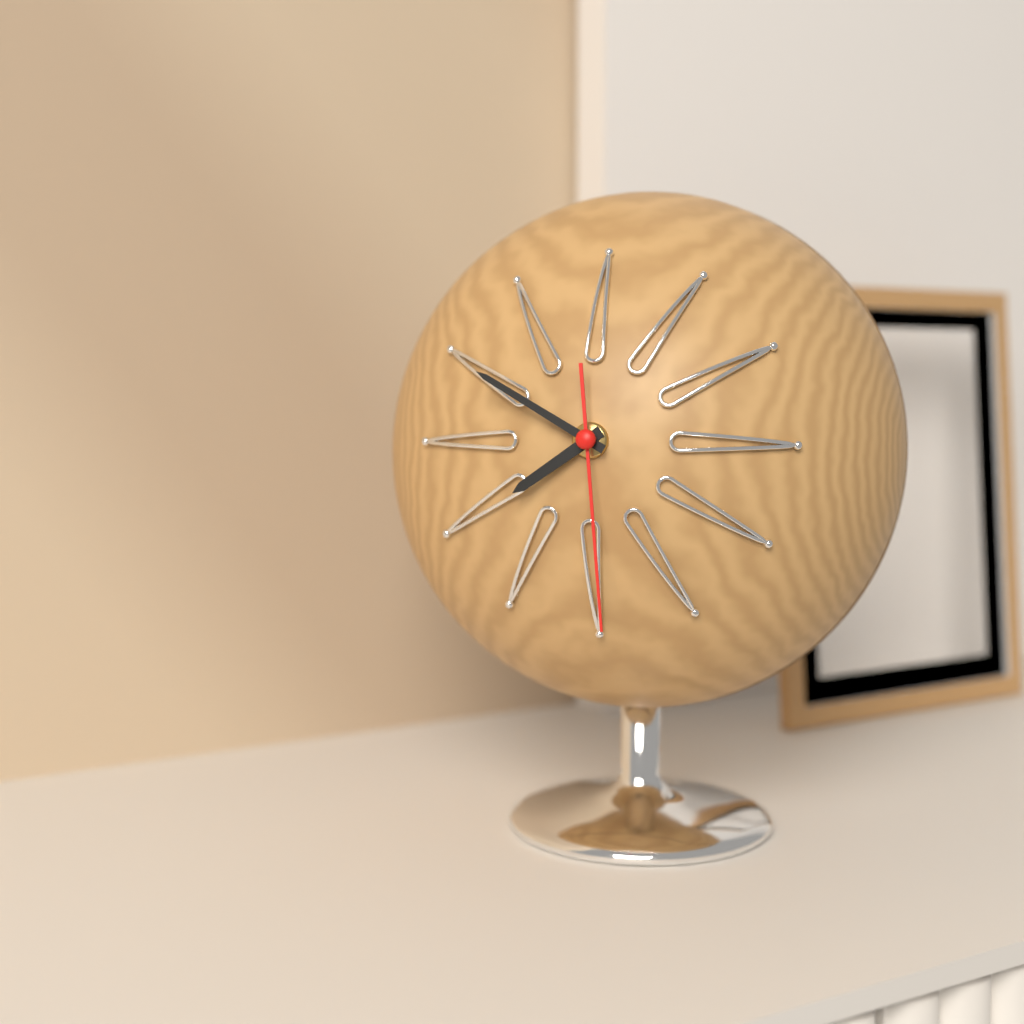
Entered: 7.50.29
